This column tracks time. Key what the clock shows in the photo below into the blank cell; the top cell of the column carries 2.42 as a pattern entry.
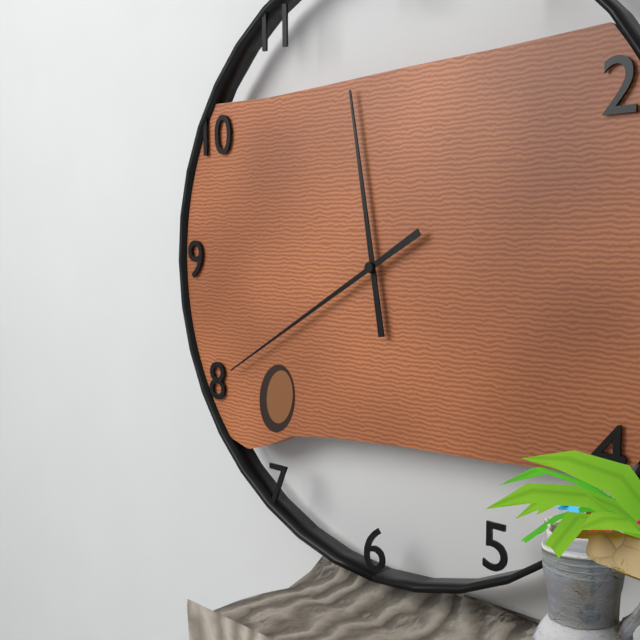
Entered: 11.40
